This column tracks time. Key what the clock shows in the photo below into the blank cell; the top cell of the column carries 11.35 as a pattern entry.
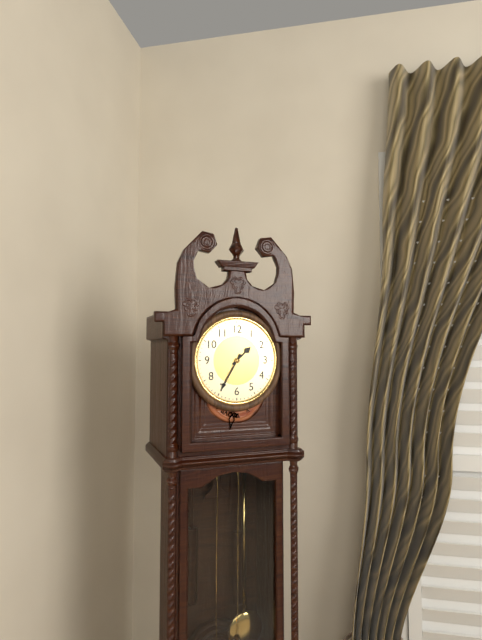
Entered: 1.35
